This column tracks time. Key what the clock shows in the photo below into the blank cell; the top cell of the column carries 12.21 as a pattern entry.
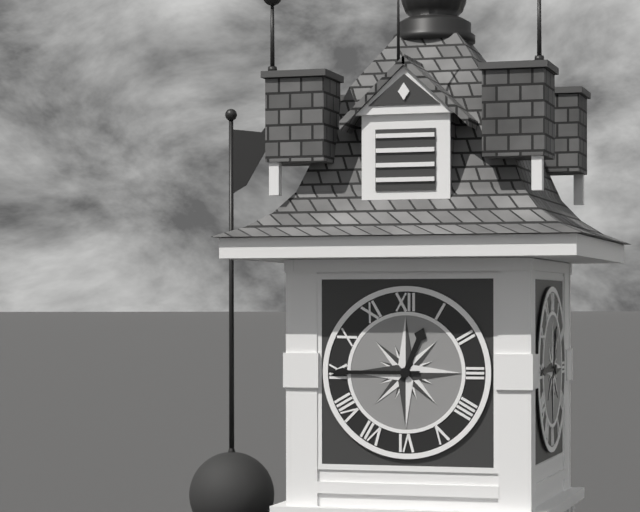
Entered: 12.45
